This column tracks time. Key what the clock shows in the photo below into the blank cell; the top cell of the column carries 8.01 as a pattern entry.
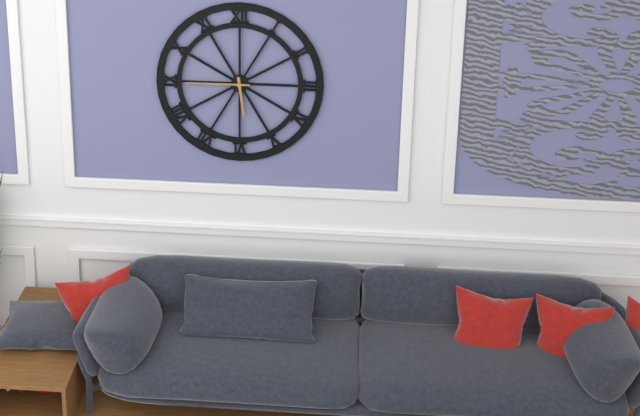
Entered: 5.45
